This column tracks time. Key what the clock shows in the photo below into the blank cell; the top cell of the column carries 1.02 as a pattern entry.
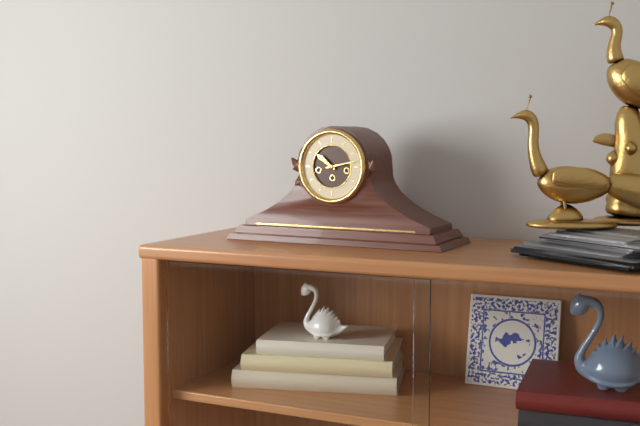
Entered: 10.13
